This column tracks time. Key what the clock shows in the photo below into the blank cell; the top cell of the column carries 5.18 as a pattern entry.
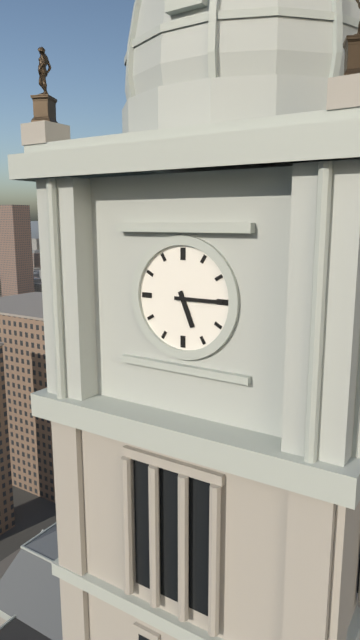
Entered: 5.15
